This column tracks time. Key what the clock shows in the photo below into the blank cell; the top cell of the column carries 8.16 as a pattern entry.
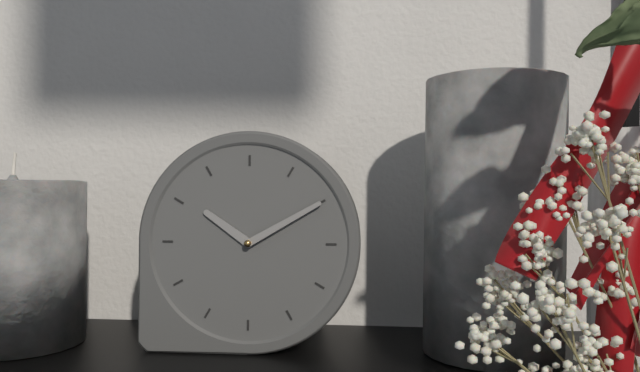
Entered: 10.10
